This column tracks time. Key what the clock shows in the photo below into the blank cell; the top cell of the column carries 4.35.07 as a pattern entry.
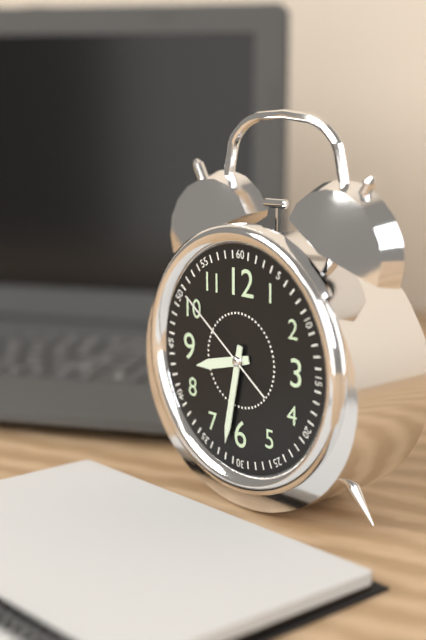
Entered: 8.32.51
